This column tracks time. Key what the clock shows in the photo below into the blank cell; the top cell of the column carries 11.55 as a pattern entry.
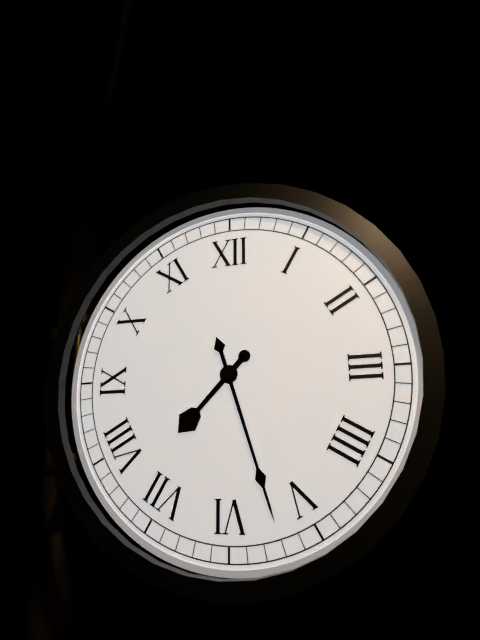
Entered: 7.27
